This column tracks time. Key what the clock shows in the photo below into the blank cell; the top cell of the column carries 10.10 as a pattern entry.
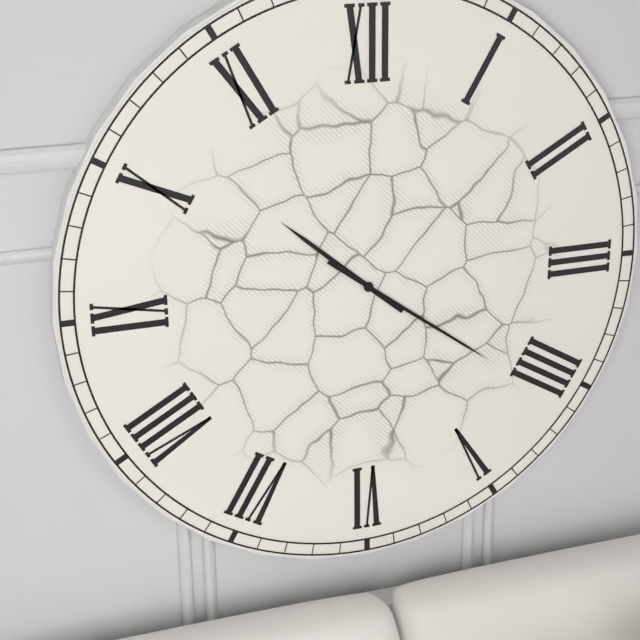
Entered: 10.21
